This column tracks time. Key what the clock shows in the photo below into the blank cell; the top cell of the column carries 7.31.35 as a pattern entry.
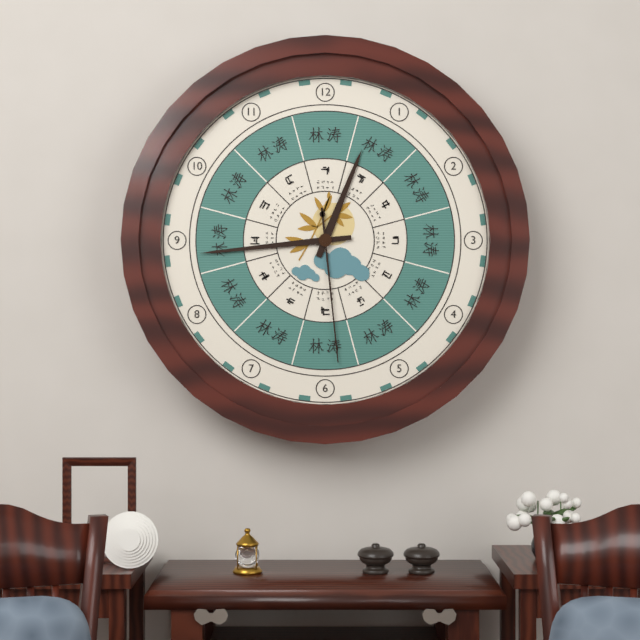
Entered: 12.44.29
